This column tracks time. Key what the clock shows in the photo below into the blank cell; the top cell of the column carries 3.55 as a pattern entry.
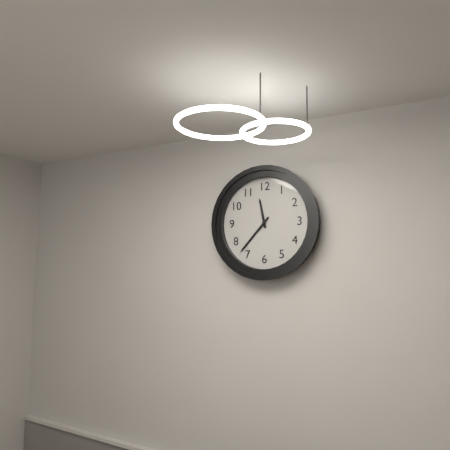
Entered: 11.37
